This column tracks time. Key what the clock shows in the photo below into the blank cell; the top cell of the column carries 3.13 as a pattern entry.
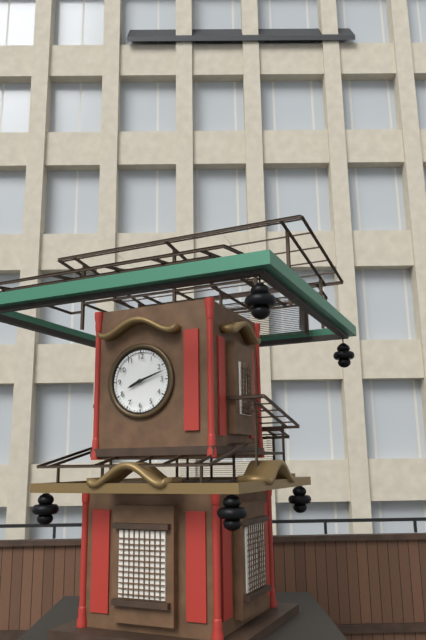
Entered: 8.12
